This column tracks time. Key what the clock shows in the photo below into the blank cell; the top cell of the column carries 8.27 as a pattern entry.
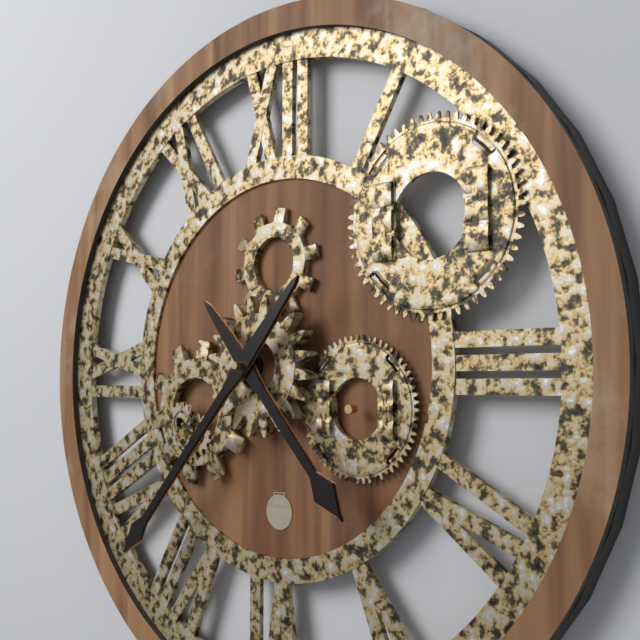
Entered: 4.37
